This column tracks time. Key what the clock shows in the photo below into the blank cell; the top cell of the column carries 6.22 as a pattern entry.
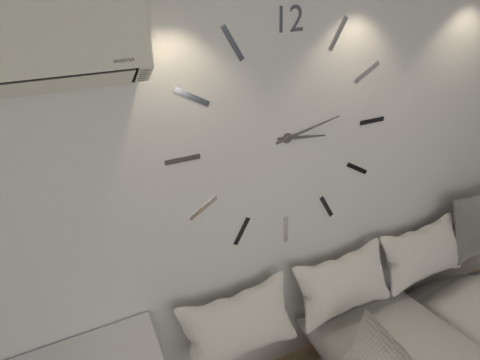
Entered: 3.13
